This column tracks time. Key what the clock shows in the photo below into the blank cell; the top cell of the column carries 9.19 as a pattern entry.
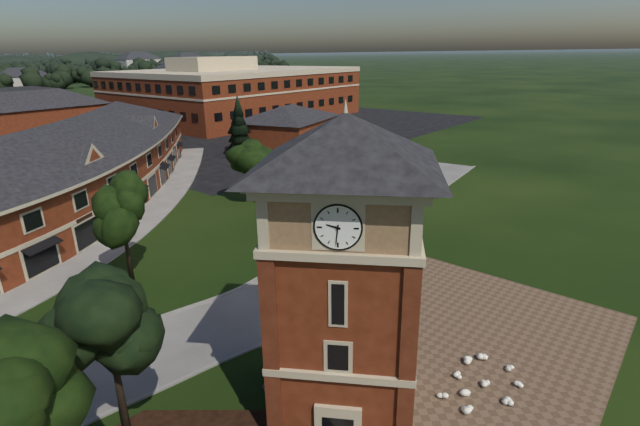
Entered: 9.31
